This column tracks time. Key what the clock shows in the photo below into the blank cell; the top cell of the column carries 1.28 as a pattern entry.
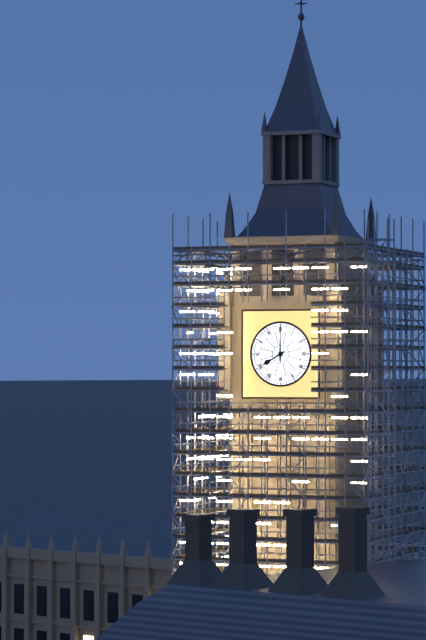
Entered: 8.00
